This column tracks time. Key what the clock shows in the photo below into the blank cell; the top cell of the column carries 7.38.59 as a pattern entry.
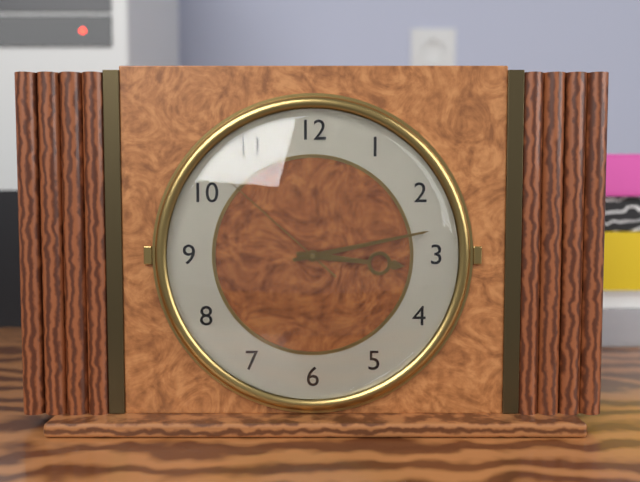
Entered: 3.13.52
